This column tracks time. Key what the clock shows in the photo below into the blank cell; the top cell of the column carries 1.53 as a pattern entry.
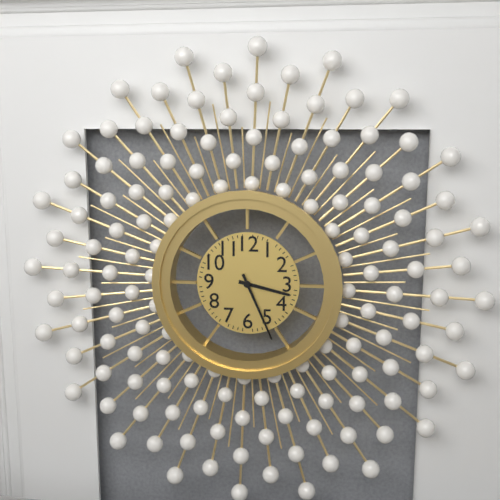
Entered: 3.26
